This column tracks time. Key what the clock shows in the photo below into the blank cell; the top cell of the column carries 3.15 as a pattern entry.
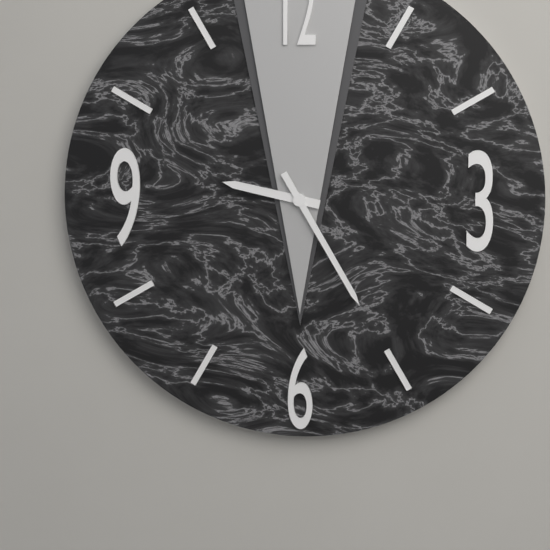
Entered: 9.25
